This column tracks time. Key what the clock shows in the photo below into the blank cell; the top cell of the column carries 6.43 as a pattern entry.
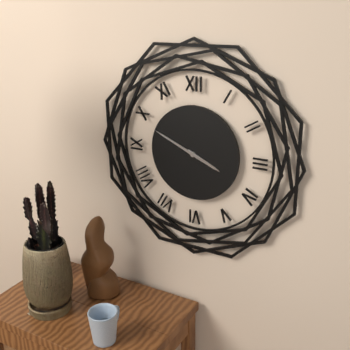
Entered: 3.49
